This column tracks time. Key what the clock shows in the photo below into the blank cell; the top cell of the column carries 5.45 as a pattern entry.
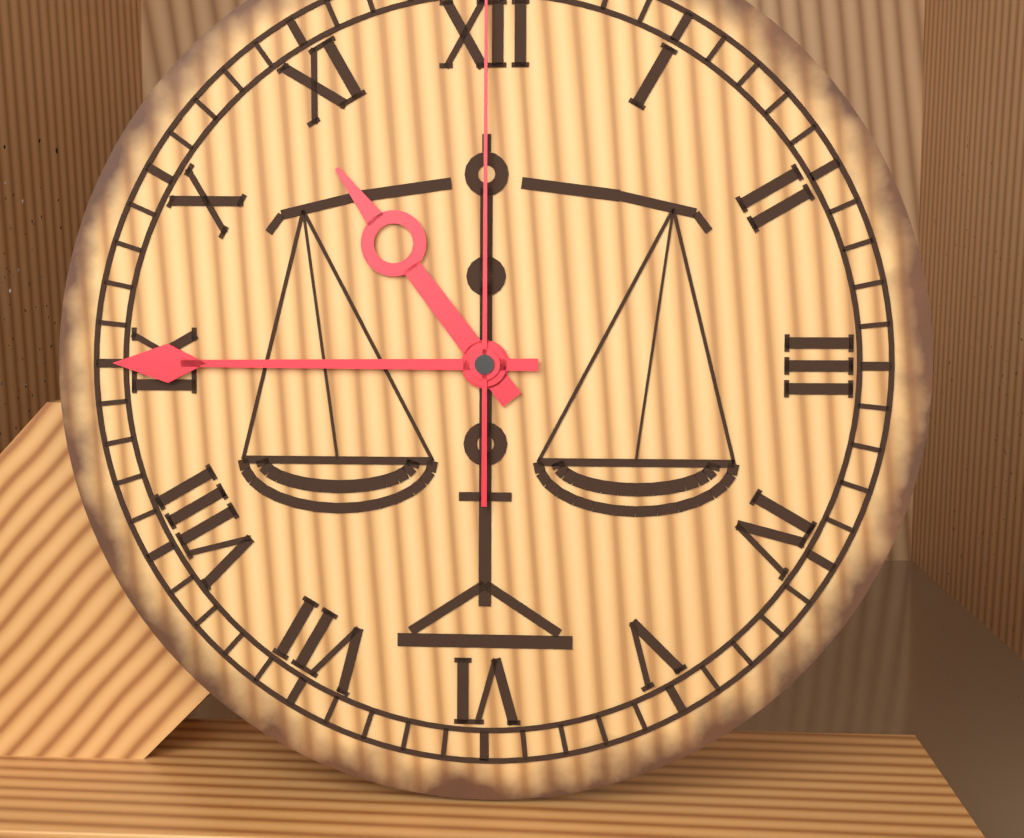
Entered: 10.45
